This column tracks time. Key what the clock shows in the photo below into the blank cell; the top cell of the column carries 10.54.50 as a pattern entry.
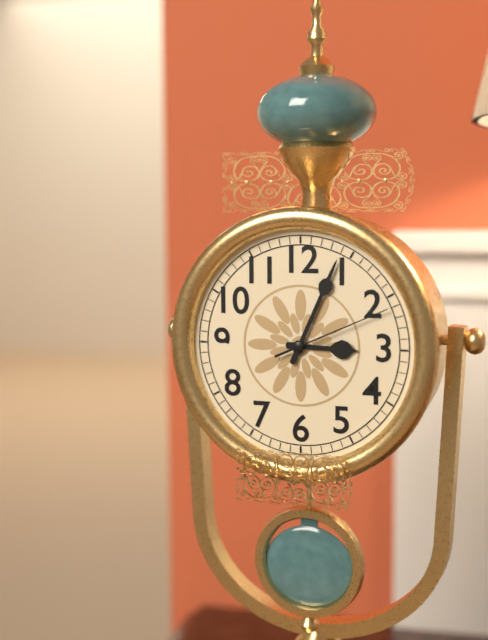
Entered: 3.04.11
